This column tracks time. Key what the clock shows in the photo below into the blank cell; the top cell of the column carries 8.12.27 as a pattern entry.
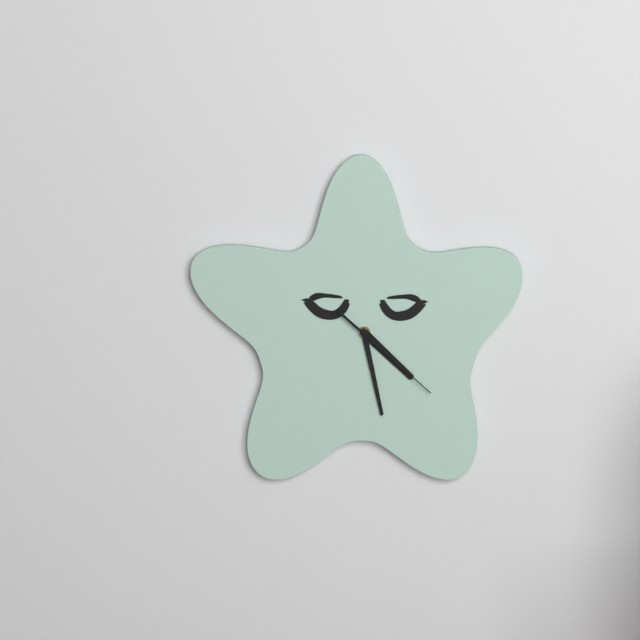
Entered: 4.28.22
